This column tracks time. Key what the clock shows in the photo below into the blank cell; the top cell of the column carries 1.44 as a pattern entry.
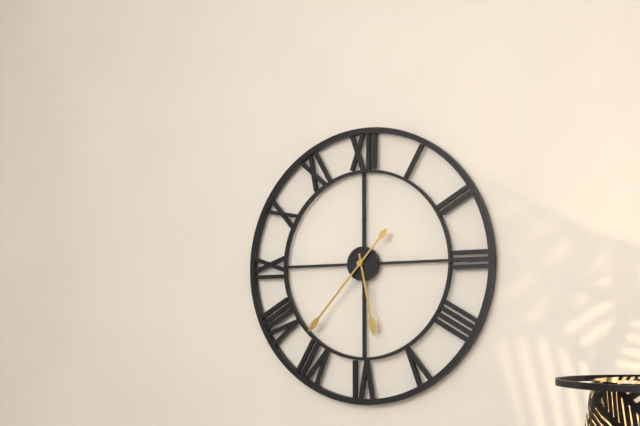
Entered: 5.37
